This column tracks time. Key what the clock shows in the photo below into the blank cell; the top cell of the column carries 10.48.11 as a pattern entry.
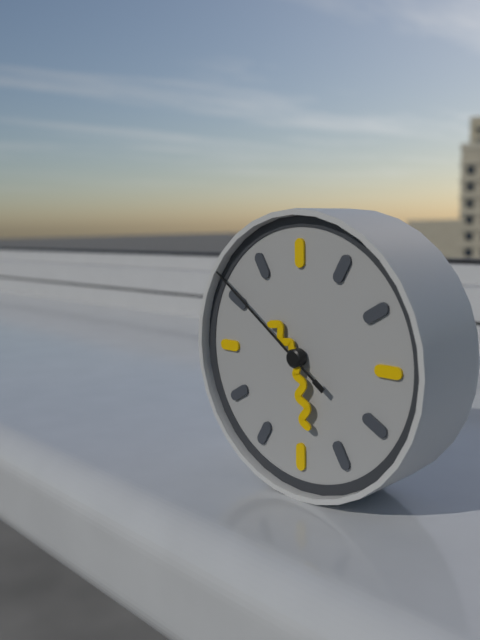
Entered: 10.28.51
